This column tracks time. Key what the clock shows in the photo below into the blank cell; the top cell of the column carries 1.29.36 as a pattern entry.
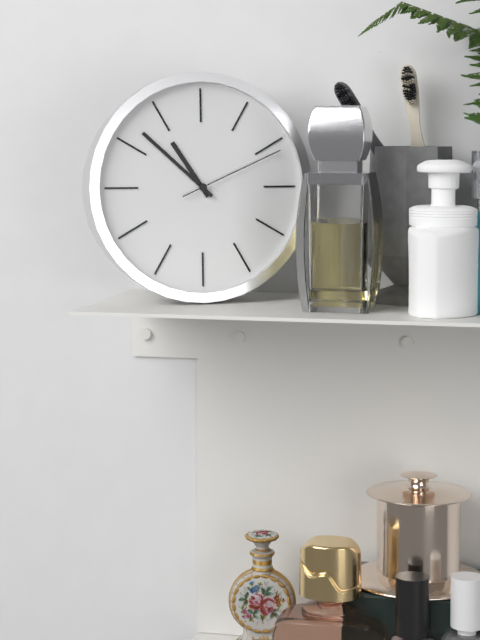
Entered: 10.52.11
